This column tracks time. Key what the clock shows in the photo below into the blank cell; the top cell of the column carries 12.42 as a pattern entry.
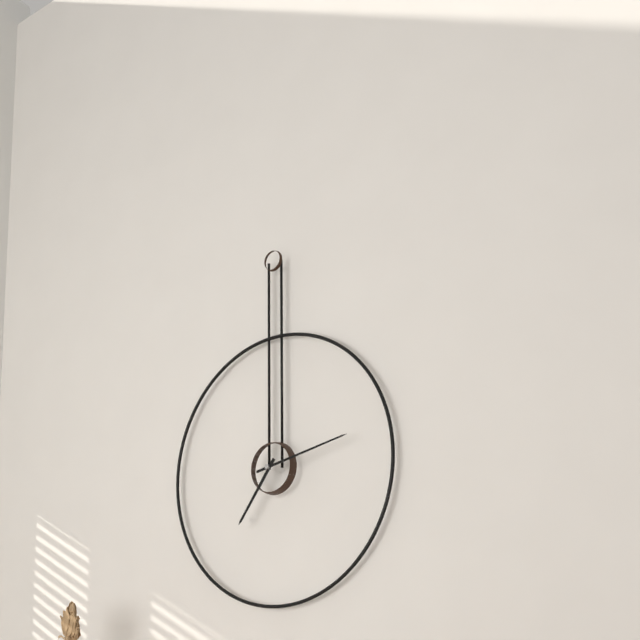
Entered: 7.13
